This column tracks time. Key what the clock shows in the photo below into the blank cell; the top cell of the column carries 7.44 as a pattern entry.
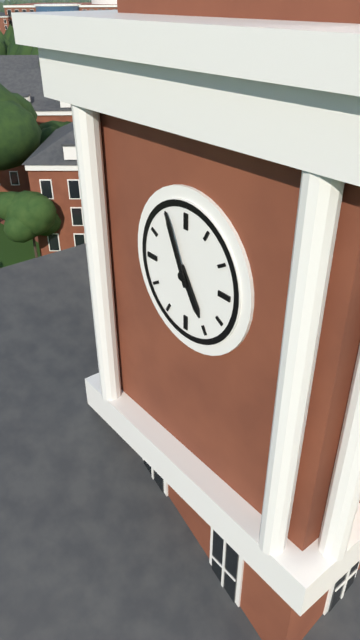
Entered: 4.56
